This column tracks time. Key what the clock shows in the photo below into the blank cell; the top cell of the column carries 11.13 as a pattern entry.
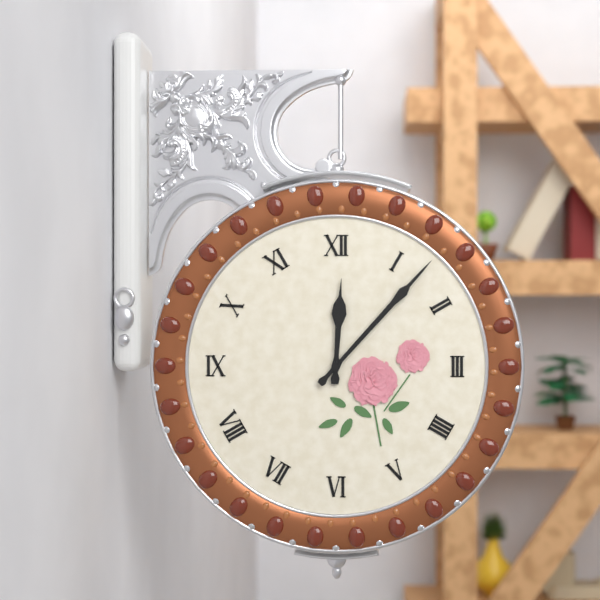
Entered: 12.07
